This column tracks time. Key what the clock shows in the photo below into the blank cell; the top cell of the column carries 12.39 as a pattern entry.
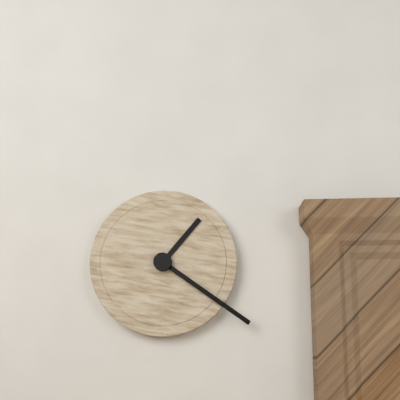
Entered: 1.21
